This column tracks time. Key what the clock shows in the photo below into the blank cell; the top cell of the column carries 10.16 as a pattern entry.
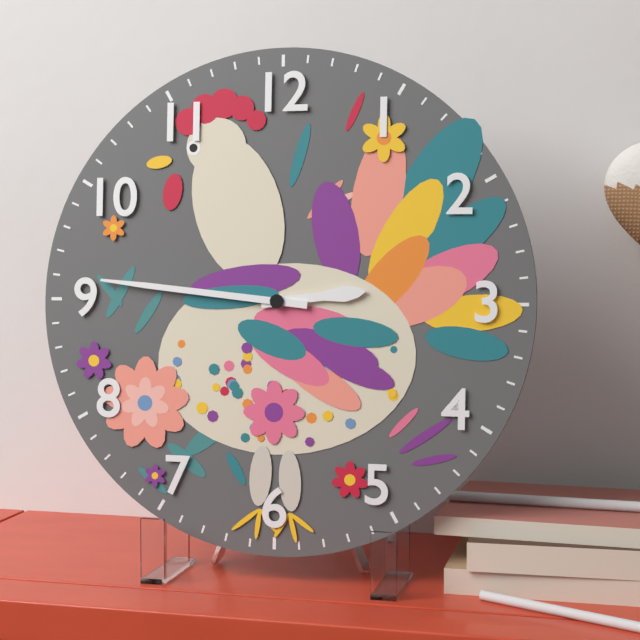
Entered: 2.46
